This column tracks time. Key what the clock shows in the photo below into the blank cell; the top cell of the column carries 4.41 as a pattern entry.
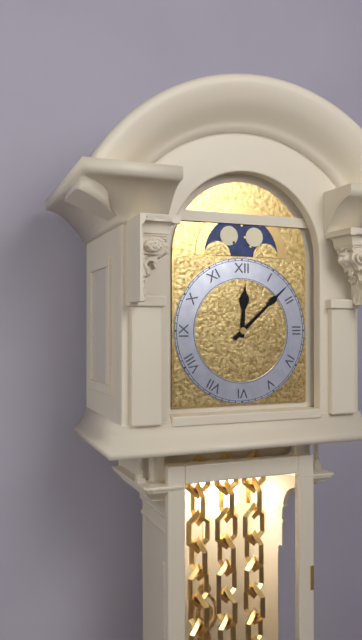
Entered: 12.08
